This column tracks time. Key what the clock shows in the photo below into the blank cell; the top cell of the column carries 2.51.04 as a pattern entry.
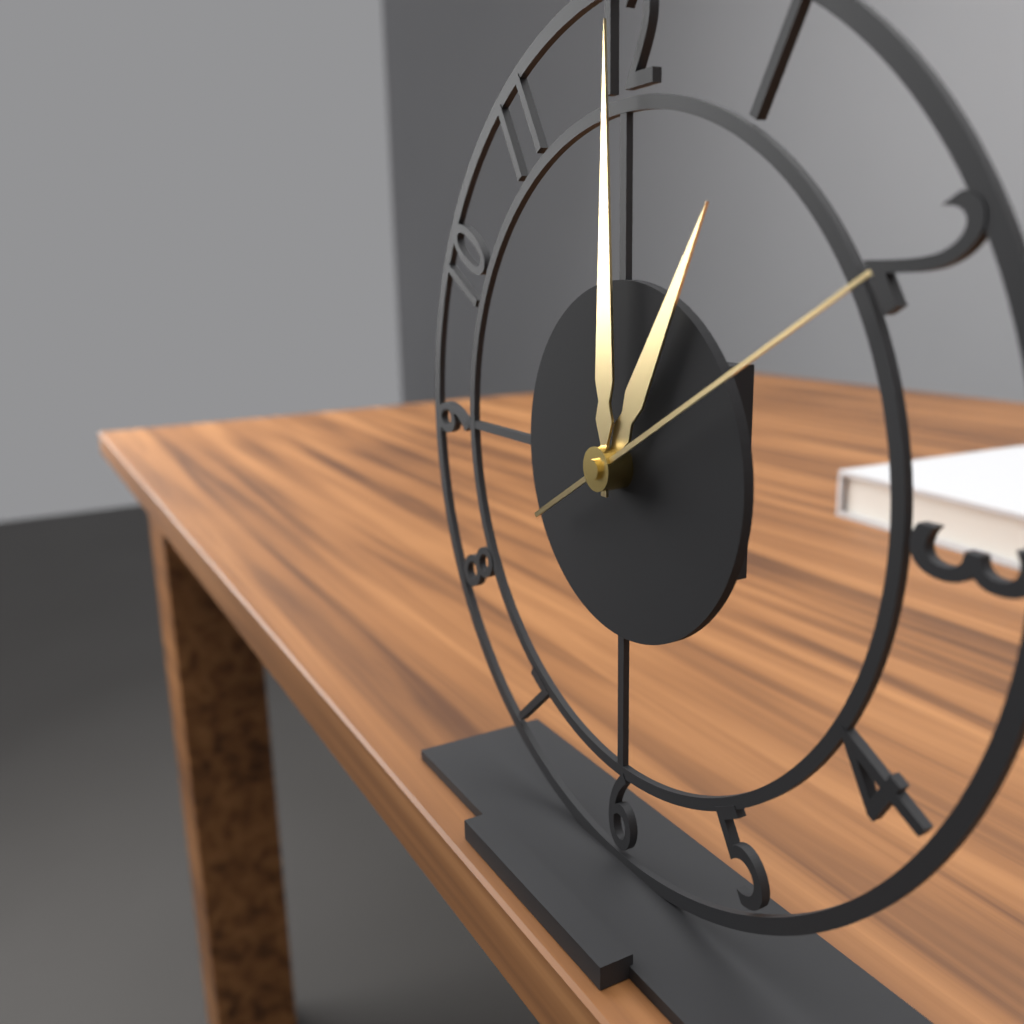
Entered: 1.00.10
